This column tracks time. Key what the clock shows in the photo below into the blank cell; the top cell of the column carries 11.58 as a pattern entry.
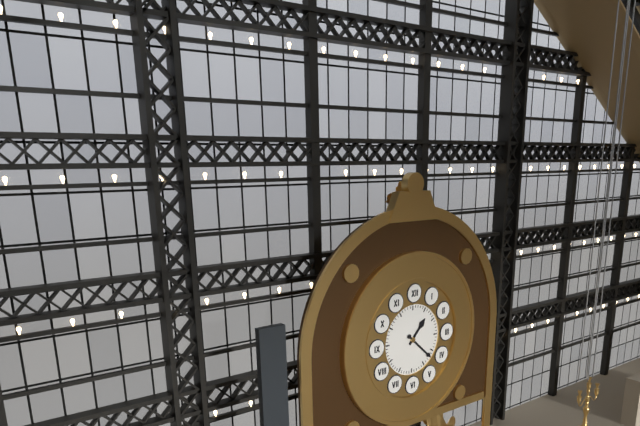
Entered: 1.22
